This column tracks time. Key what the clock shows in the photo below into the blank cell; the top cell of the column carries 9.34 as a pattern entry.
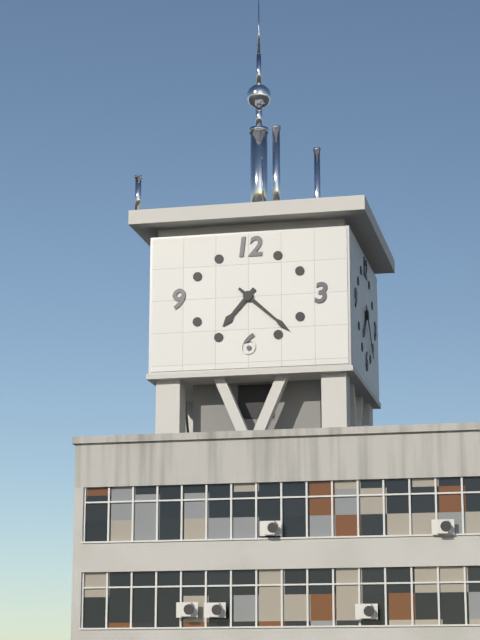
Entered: 7.22
